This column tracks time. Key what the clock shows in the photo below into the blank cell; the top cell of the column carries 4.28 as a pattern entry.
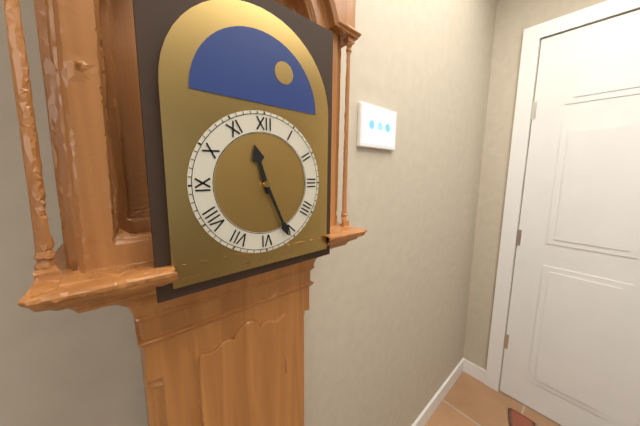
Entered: 11.26
